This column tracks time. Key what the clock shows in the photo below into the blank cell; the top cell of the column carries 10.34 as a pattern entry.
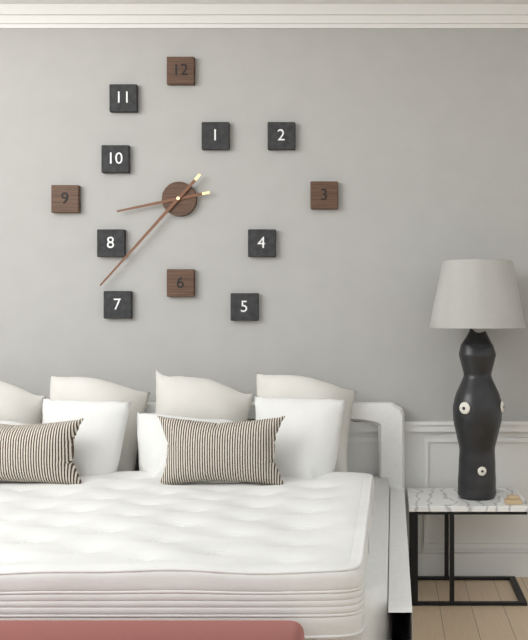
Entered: 8.37
